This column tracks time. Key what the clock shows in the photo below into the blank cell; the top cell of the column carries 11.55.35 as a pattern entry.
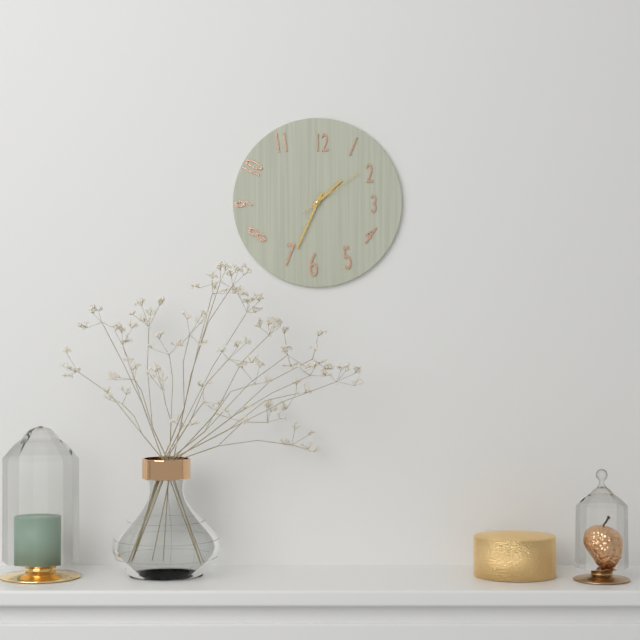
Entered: 1.34.09
